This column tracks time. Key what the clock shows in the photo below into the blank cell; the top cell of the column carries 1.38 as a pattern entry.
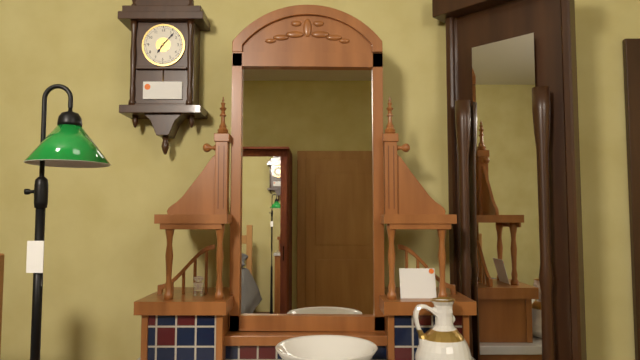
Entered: 7.07
